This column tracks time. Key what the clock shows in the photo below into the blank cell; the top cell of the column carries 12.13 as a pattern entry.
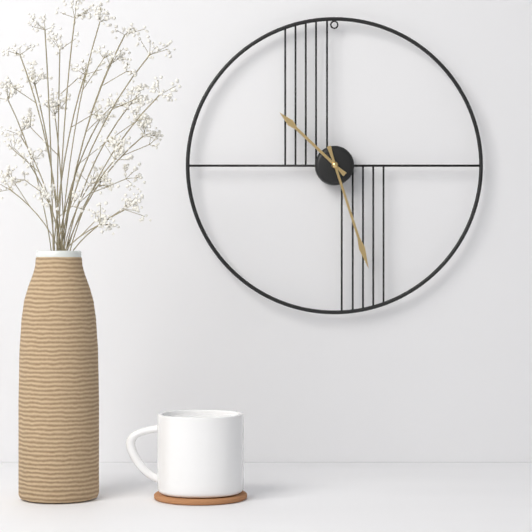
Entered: 10.27
